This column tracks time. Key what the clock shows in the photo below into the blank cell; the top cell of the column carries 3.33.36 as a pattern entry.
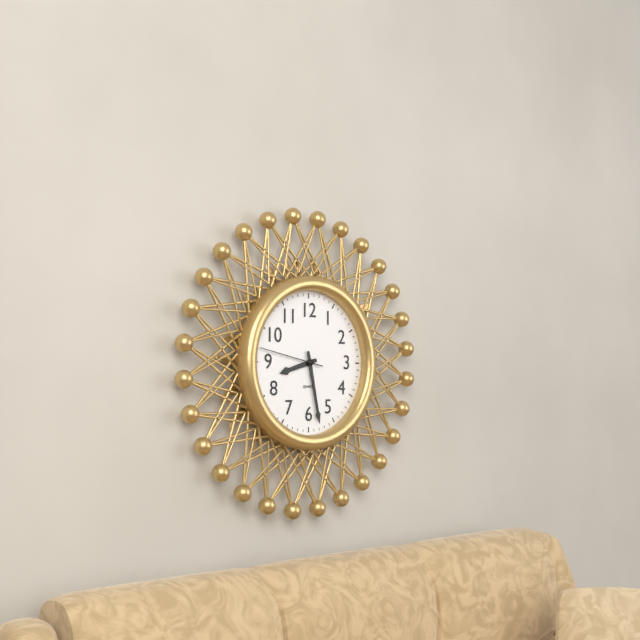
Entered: 8.28.47
